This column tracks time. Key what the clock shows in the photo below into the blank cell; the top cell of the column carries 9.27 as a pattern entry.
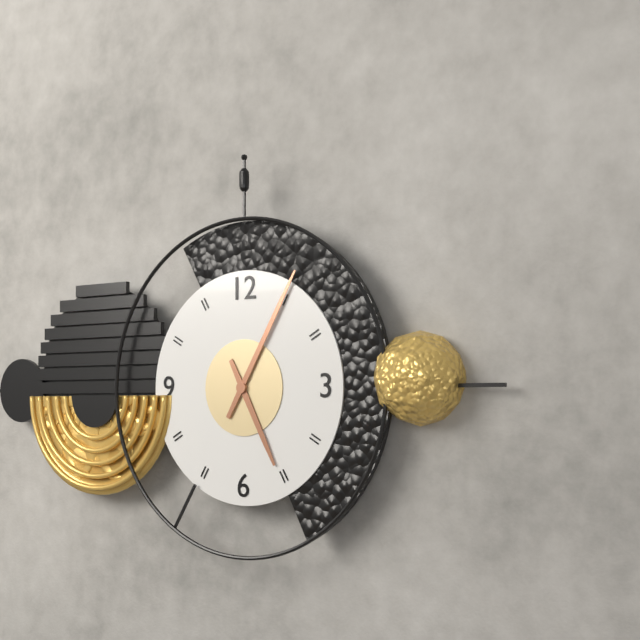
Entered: 5.05
